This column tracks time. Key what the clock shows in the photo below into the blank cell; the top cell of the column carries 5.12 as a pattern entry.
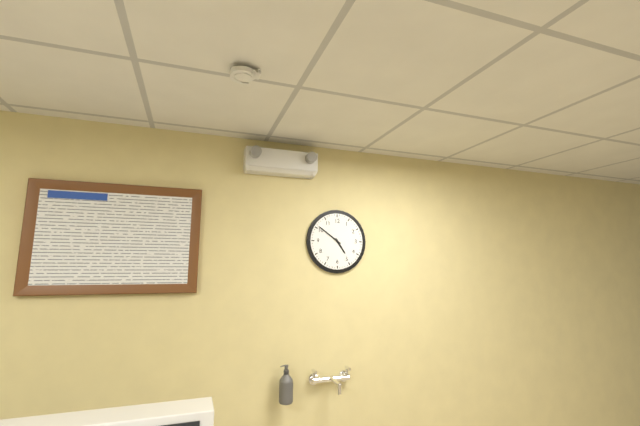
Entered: 4.51
